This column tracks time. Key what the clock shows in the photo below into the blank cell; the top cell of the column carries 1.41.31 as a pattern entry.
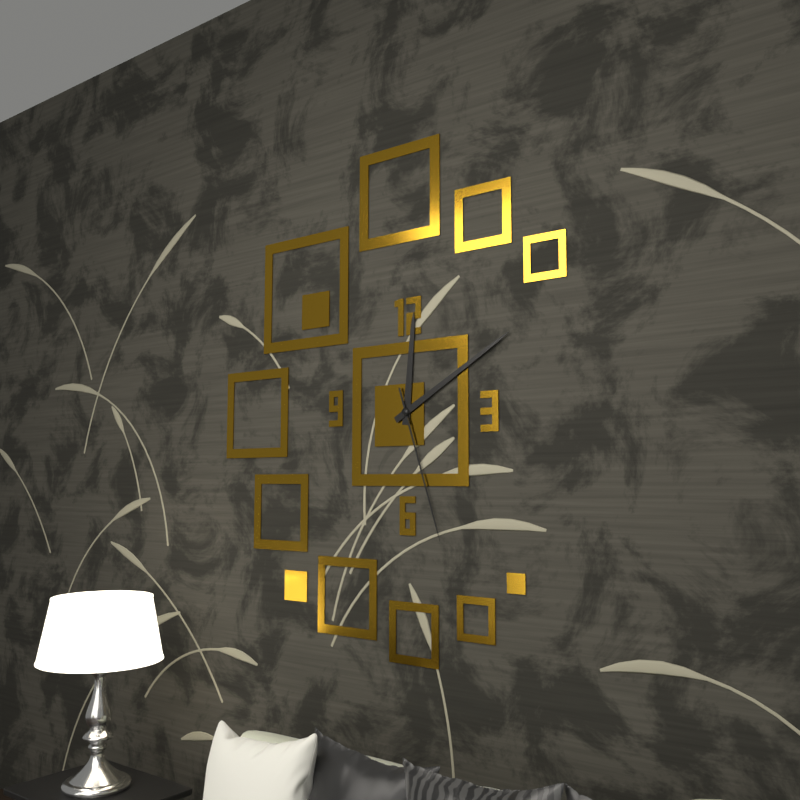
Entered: 12.10.27
